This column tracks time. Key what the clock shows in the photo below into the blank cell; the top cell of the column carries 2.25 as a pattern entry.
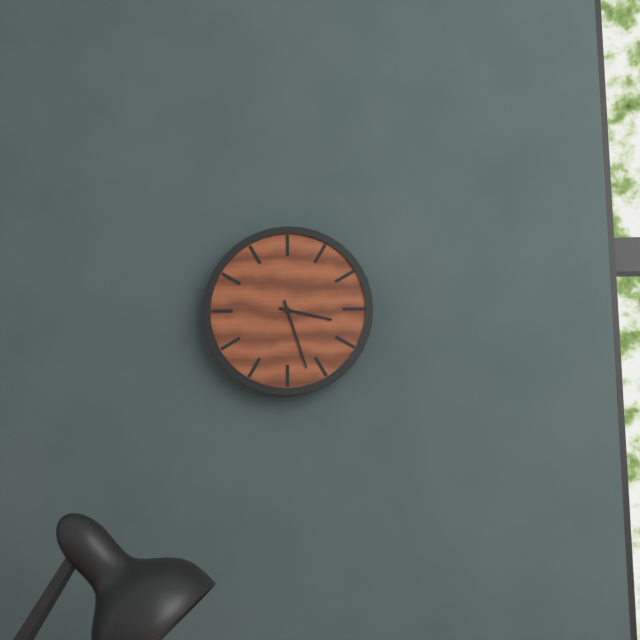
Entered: 3.27
